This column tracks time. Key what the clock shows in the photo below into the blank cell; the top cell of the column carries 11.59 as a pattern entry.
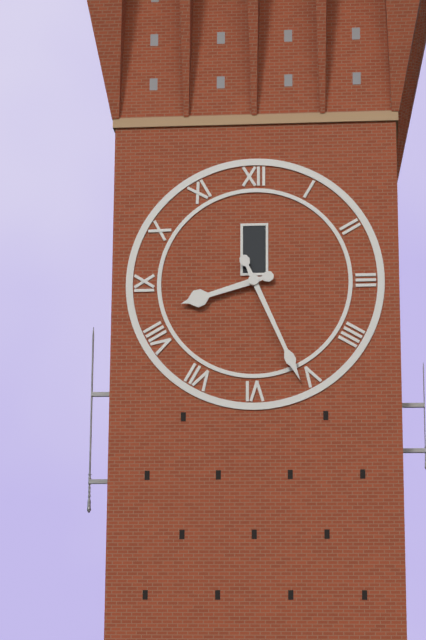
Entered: 8.26
